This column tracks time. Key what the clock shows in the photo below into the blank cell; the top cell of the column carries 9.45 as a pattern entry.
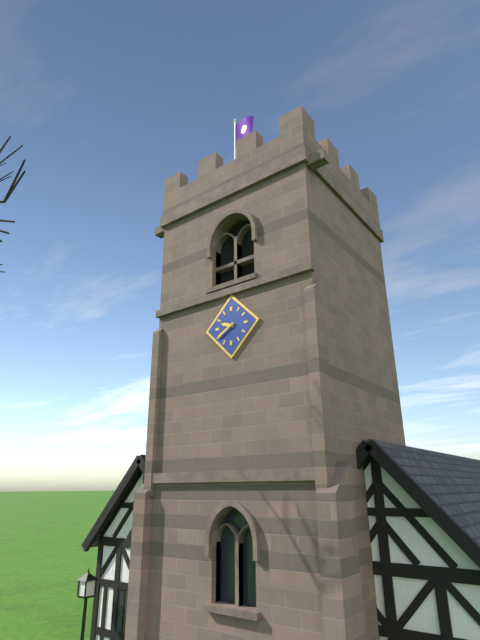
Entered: 9.40
